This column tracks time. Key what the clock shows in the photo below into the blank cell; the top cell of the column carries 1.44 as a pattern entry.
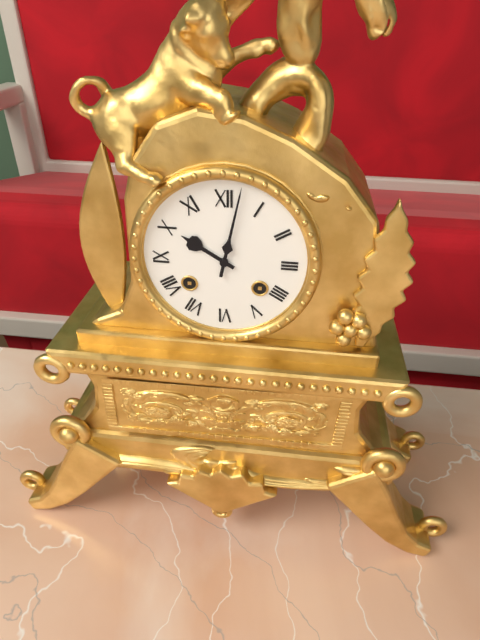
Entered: 10.02
